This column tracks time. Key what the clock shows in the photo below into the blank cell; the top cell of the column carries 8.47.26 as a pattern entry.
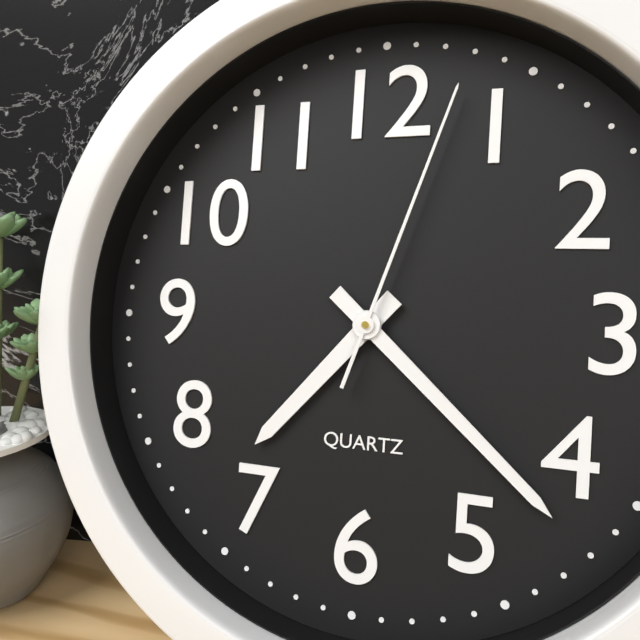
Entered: 7.22.03
